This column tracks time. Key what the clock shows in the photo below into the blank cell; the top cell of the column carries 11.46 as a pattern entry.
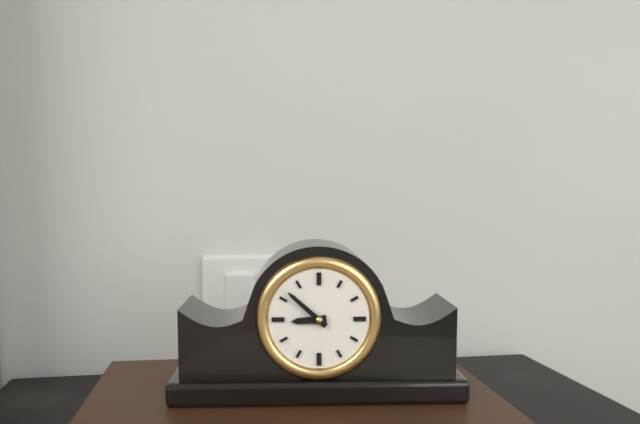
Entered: 8.52
